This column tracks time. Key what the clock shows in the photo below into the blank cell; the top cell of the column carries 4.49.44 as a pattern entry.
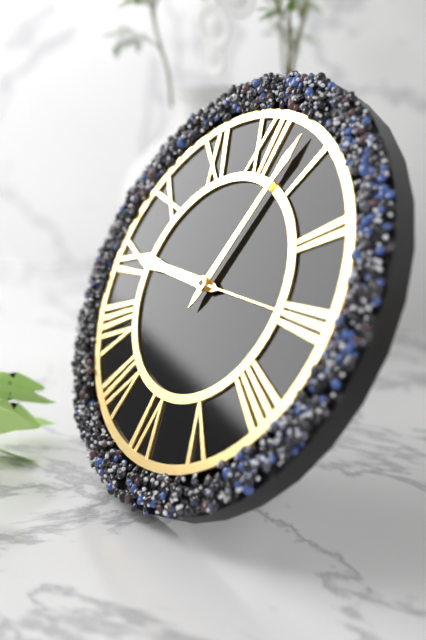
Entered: 9.03.15
